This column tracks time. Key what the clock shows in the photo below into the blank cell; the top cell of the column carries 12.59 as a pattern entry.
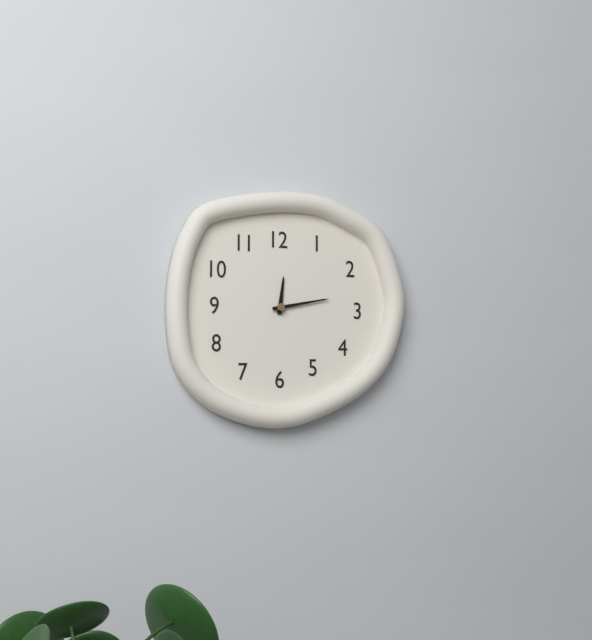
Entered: 12.13
